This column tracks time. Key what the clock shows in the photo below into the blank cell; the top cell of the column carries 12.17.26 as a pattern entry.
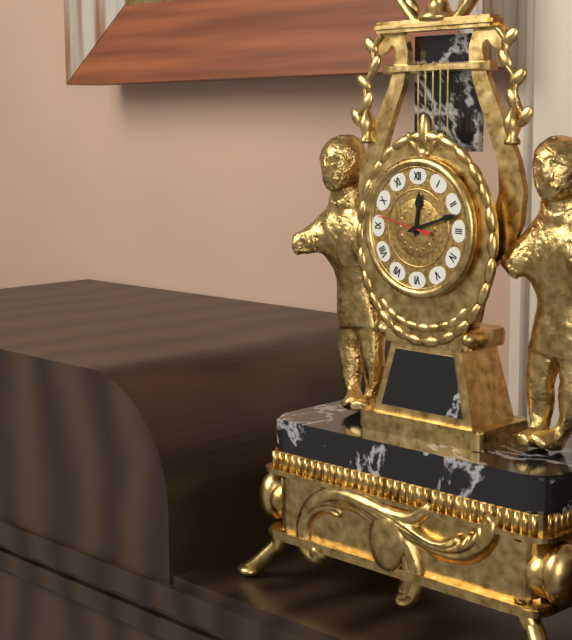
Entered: 12.12.47
